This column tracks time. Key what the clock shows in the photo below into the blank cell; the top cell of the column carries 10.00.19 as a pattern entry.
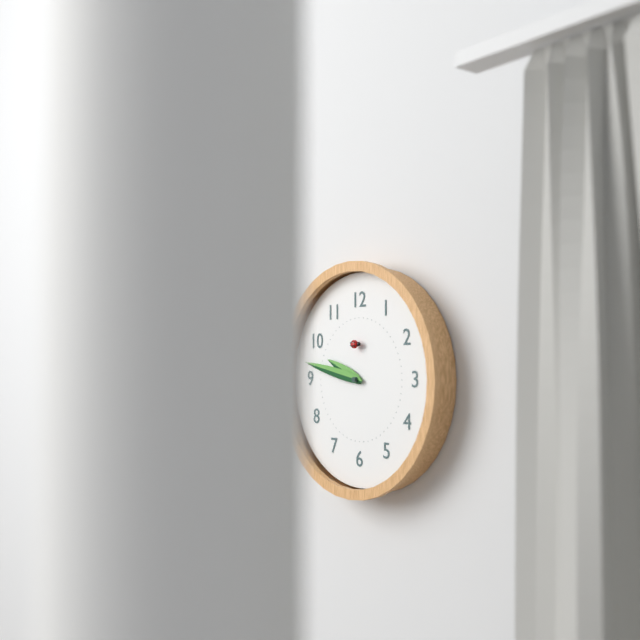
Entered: 9.47.00
